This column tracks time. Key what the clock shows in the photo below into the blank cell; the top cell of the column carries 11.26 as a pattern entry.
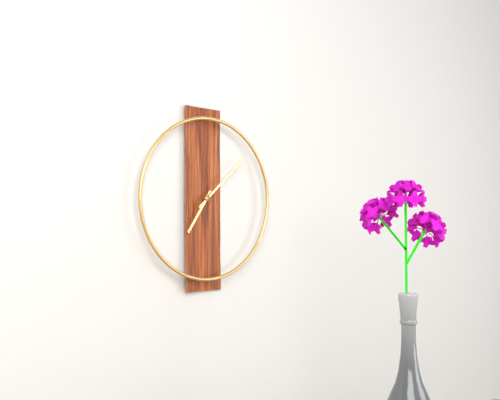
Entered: 7.08
